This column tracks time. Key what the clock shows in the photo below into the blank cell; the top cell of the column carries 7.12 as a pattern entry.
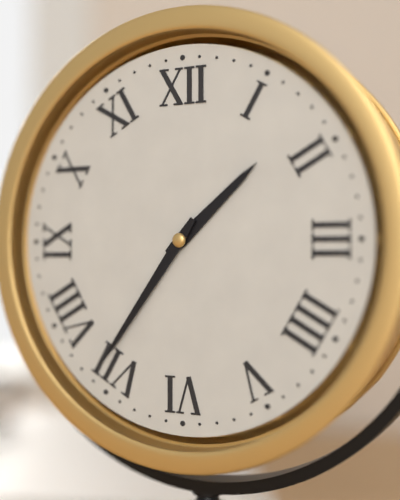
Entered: 1.36
